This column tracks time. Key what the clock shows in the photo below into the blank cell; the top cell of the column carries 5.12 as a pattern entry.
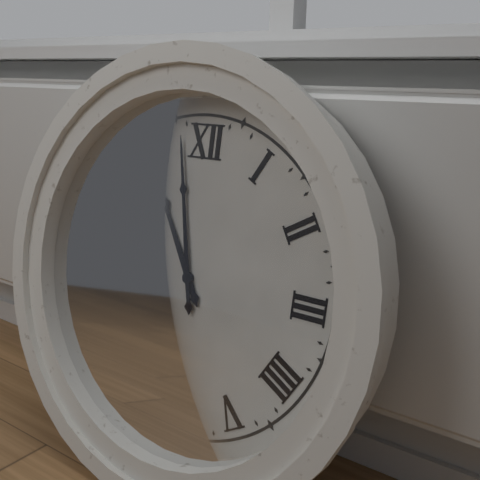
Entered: 10.58
